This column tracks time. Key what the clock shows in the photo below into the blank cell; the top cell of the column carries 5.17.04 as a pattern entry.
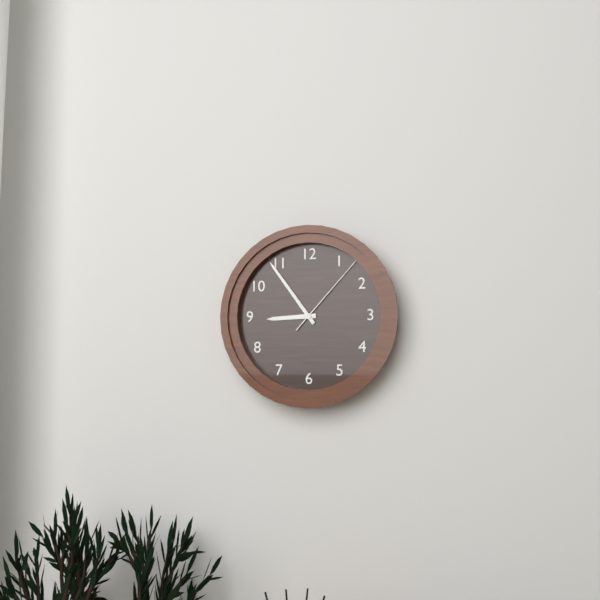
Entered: 8.54.07
